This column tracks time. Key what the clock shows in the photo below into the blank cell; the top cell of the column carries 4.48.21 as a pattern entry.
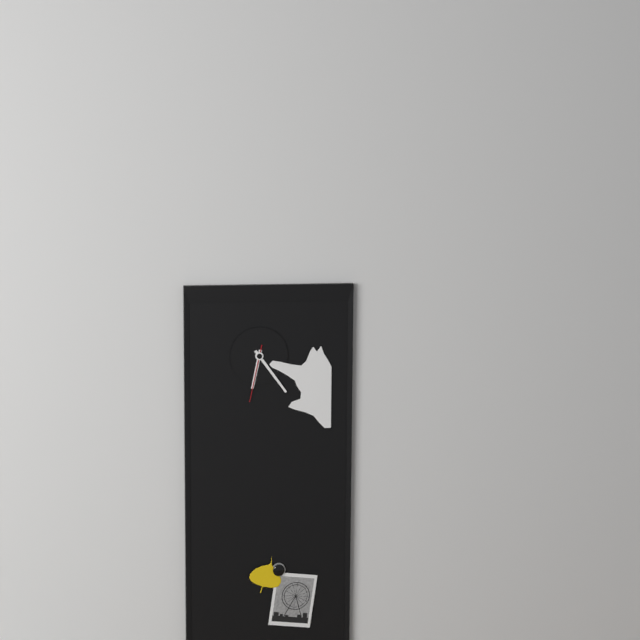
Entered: 6.24.32
